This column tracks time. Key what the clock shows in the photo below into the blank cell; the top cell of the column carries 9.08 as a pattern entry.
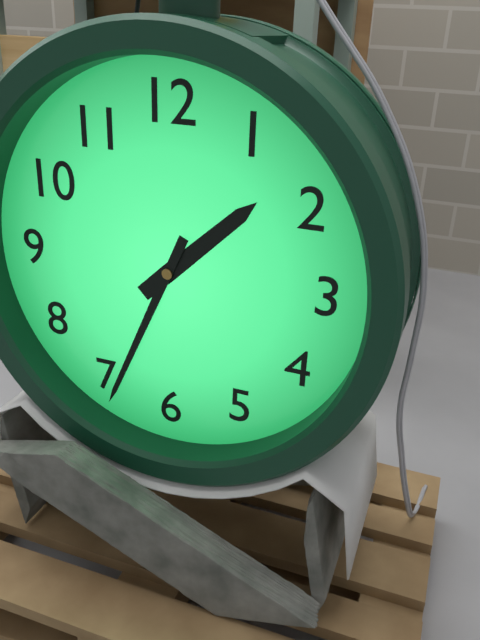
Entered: 1.34
